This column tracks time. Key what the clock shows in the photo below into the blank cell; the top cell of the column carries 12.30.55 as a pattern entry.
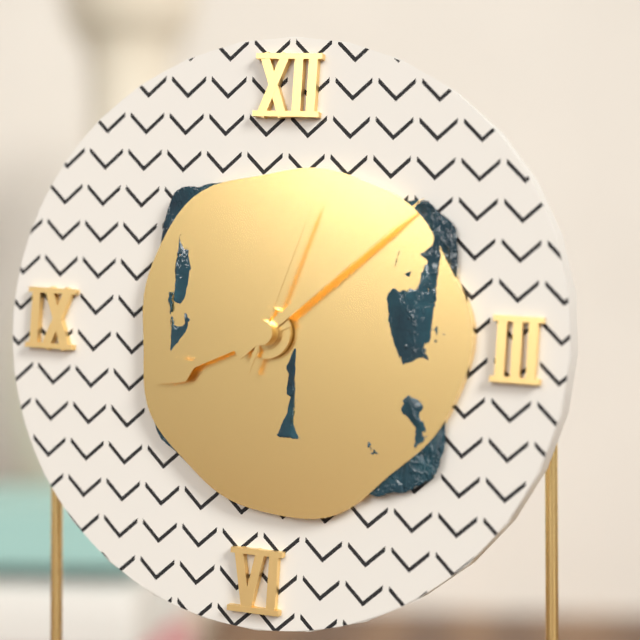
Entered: 8.08.03
